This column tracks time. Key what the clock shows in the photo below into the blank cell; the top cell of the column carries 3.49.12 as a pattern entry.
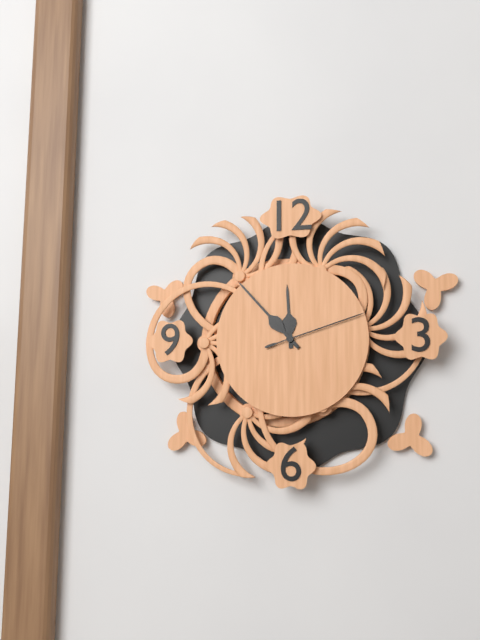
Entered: 11.53.12
